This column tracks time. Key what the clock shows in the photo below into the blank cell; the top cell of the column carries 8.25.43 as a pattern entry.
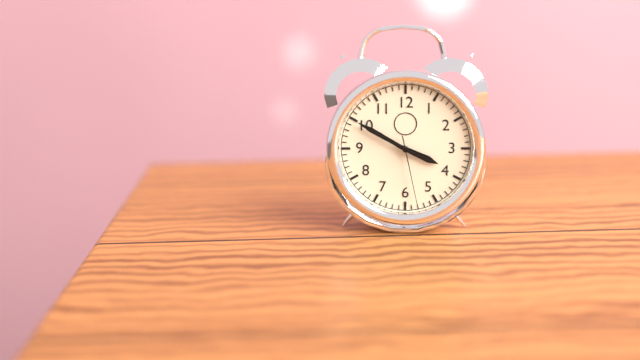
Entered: 3.50.28
